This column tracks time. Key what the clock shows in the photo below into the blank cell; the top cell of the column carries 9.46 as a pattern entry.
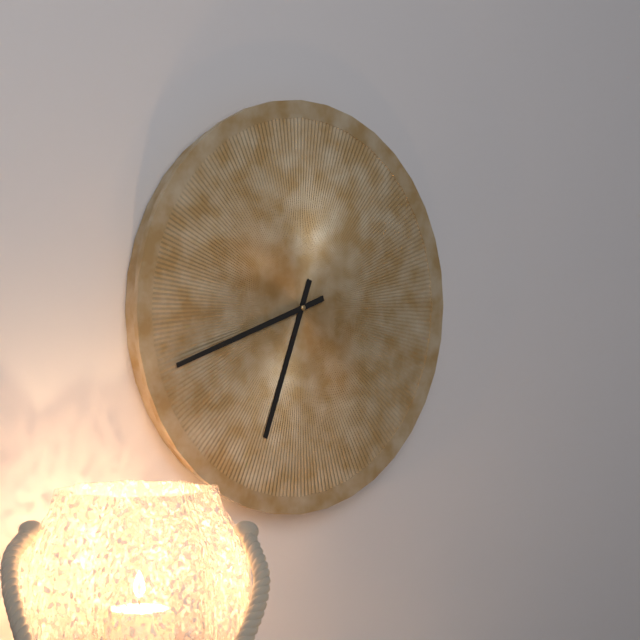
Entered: 6.42
